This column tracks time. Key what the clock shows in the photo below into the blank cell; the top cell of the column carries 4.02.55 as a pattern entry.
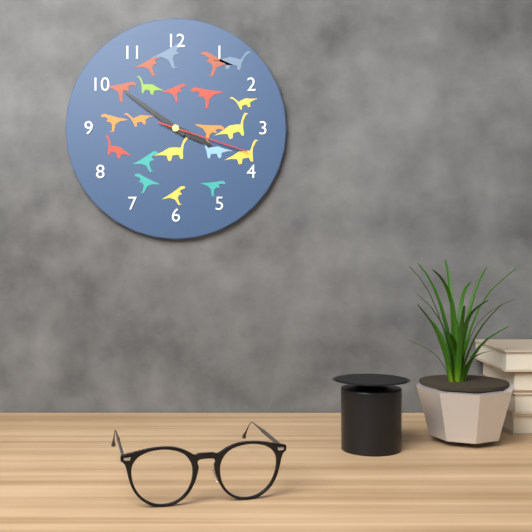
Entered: 3.51.18
